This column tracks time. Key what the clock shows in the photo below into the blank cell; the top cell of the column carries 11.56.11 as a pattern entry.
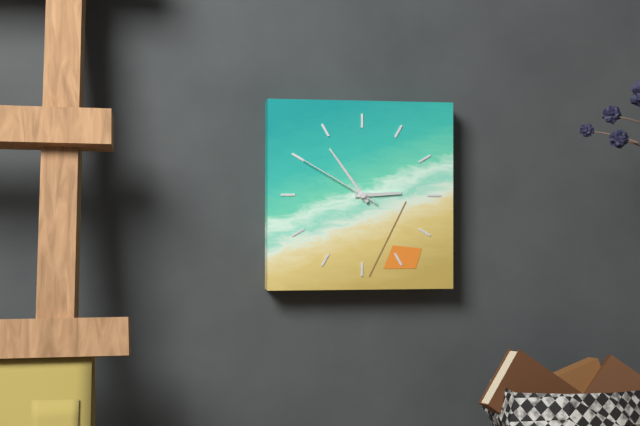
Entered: 2.54.50
